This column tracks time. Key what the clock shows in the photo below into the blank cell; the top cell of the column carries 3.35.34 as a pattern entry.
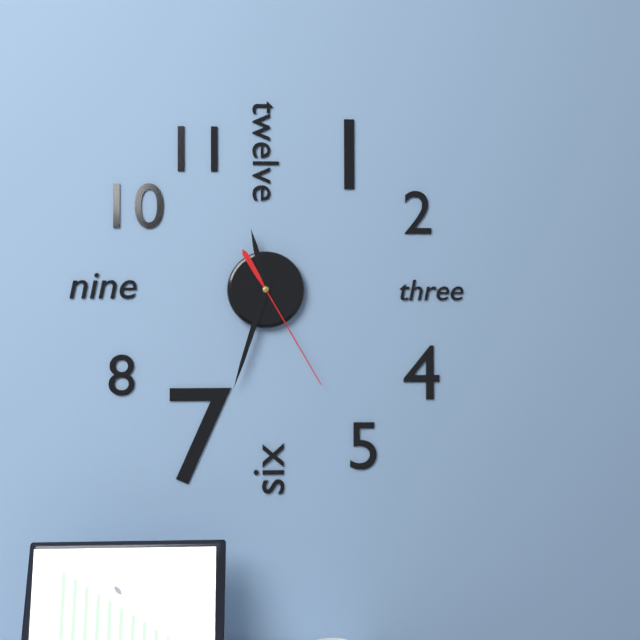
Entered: 11.33.25
